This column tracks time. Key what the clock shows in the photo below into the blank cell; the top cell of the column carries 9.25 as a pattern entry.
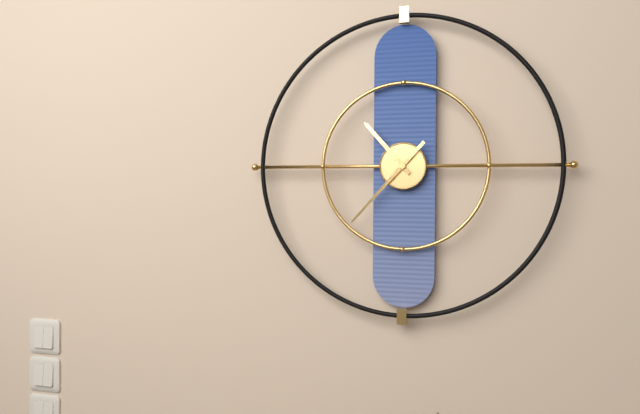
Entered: 10.37
